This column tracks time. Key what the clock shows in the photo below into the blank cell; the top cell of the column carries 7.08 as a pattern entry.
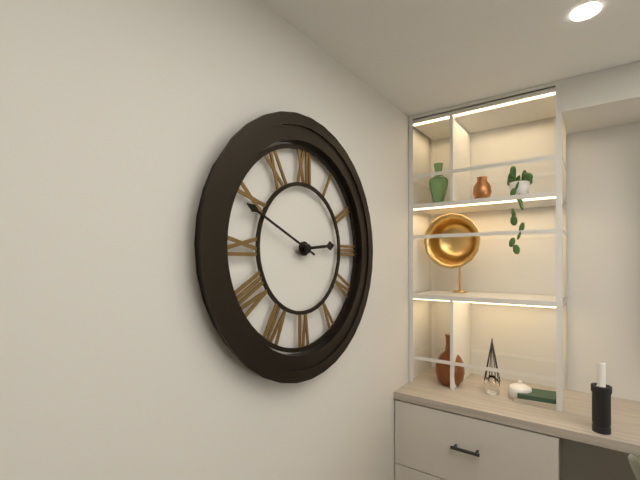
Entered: 2.49
